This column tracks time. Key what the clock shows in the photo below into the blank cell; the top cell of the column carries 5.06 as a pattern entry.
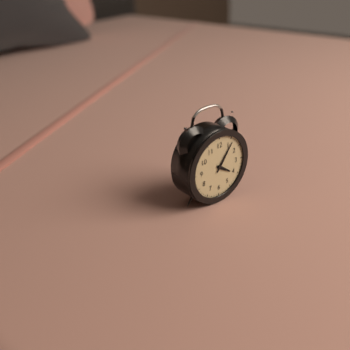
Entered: 4.06
